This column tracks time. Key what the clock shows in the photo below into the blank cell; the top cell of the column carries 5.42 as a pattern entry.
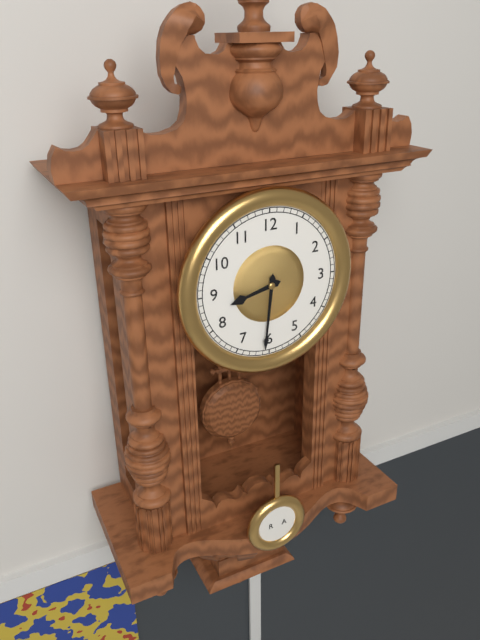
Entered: 8.31
